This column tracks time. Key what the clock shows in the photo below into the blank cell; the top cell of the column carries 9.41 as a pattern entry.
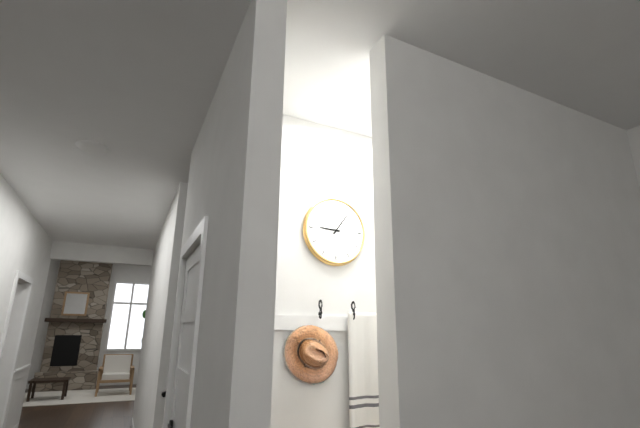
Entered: 9.06
